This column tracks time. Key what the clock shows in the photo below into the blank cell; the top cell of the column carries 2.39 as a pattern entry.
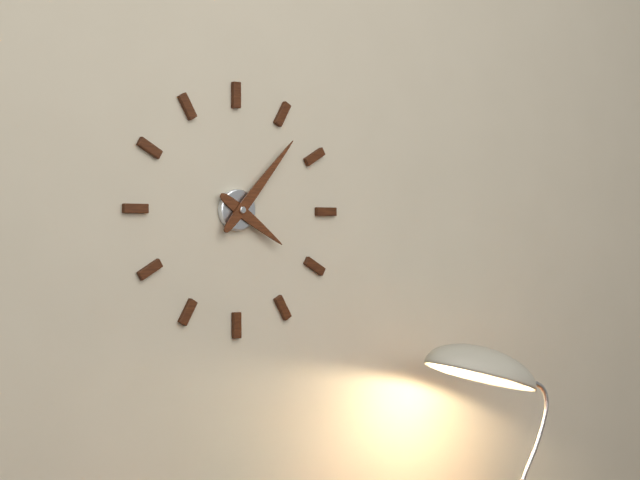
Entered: 4.07
